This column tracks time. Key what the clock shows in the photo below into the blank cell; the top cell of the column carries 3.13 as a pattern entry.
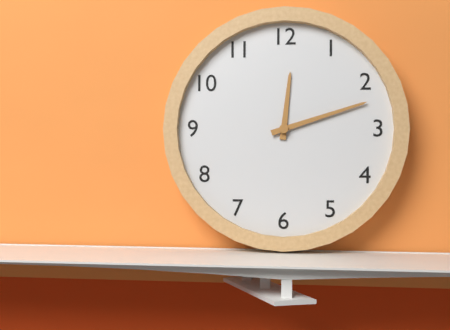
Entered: 12.12
